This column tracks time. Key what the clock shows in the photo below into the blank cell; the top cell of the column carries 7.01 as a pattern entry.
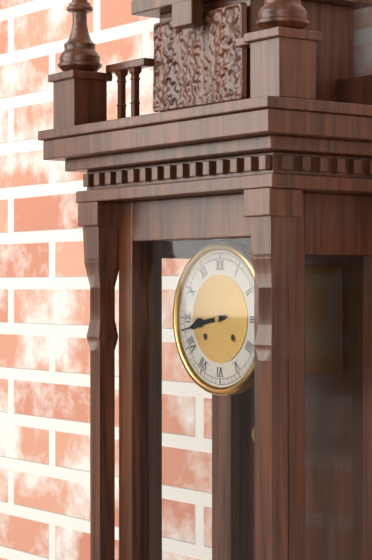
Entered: 8.43
